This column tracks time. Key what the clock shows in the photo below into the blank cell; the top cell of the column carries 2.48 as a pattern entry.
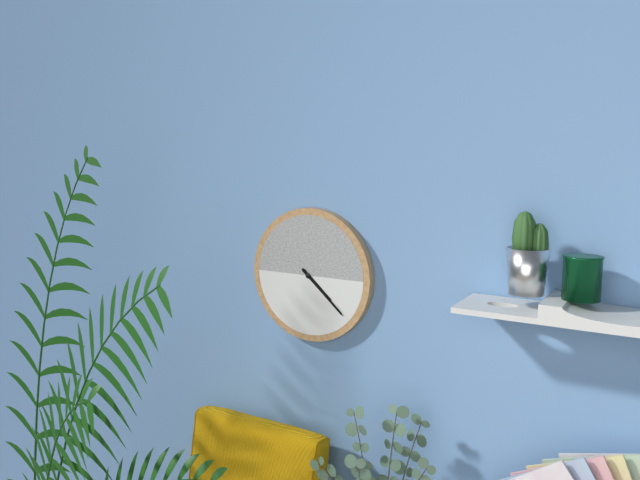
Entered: 4.22
